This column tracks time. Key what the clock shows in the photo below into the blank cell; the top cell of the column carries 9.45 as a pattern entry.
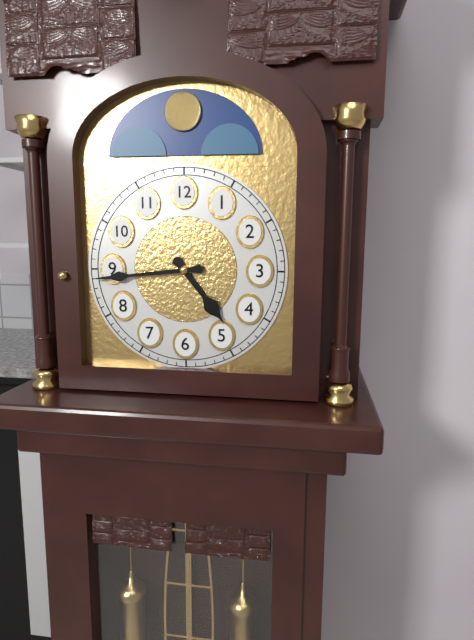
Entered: 4.44
